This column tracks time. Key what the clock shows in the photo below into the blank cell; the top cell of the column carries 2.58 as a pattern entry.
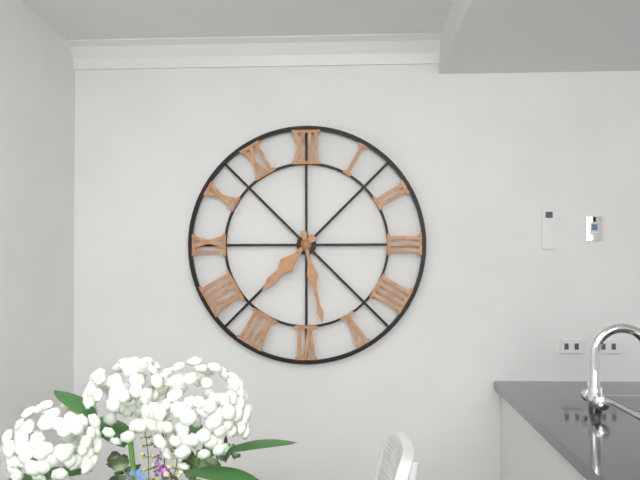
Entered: 7.28
